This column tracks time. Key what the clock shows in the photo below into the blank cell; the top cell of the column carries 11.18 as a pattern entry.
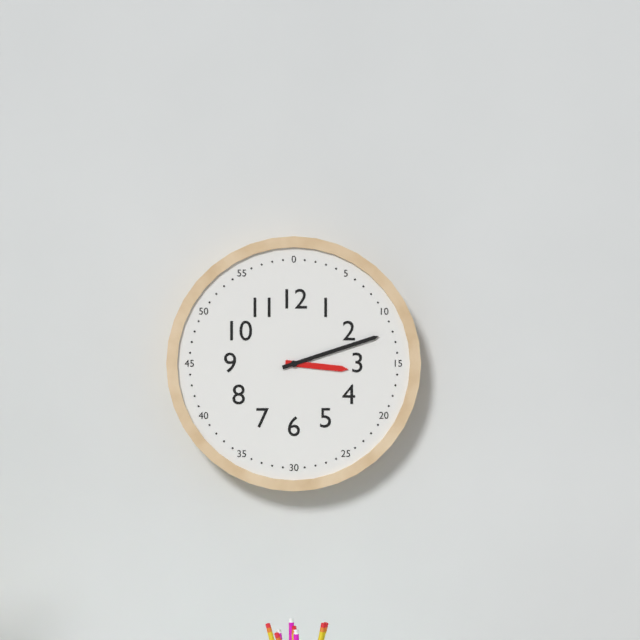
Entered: 3.12
